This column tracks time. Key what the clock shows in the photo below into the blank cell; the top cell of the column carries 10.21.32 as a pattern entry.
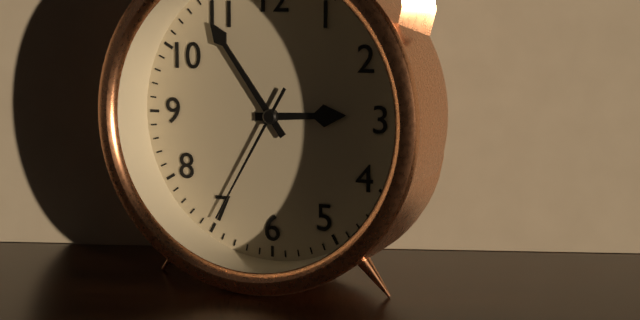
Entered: 2.54.35
